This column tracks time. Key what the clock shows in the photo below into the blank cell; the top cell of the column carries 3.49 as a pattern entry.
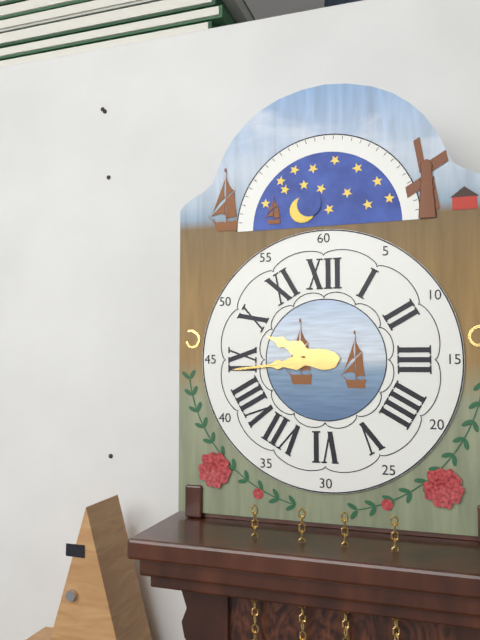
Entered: 9.44
